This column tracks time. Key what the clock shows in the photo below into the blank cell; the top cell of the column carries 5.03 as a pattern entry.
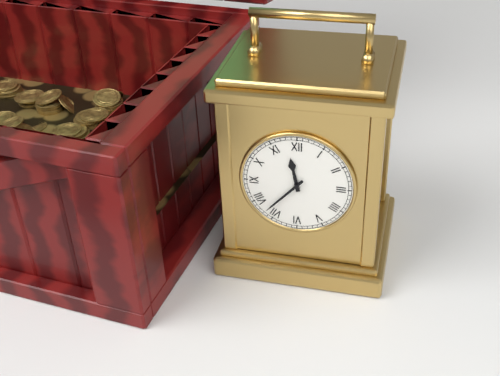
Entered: 11.37
